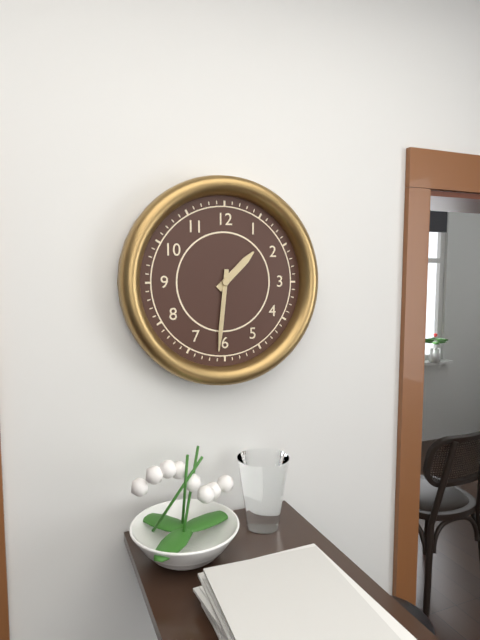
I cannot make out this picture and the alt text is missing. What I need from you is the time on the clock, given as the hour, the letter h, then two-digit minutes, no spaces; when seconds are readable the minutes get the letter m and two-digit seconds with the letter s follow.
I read 1h31
